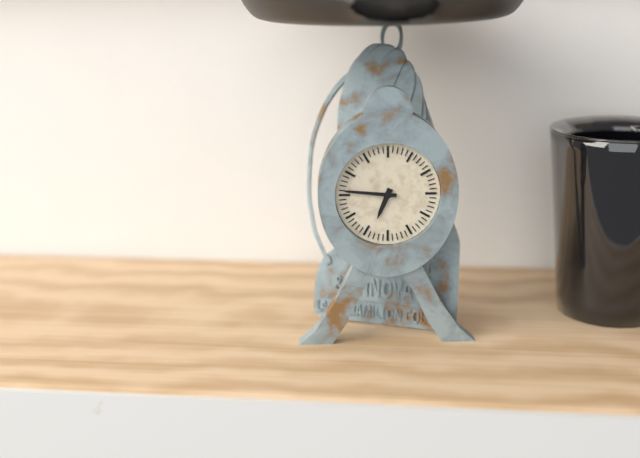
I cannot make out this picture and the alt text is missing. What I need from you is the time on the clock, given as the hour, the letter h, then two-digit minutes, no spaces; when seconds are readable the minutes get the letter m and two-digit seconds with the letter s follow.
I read 6h46
